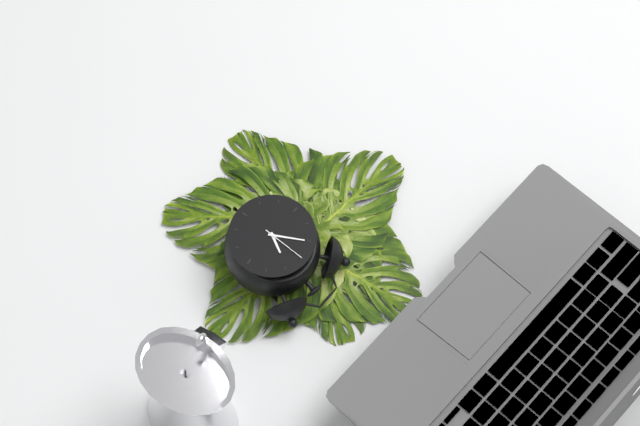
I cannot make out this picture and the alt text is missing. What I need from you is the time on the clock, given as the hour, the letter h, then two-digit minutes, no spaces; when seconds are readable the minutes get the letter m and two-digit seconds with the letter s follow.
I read 12h55
